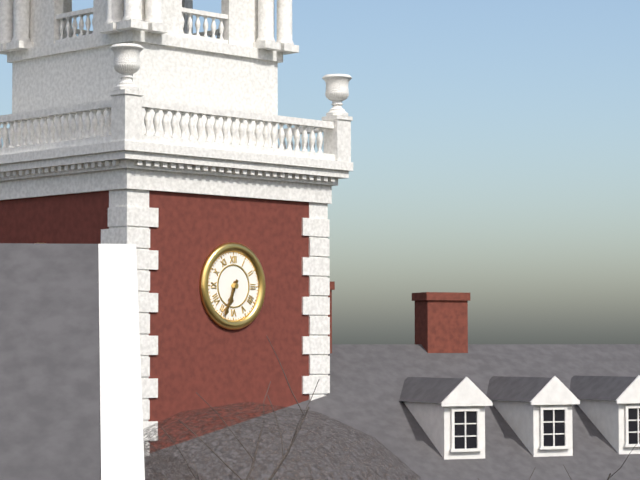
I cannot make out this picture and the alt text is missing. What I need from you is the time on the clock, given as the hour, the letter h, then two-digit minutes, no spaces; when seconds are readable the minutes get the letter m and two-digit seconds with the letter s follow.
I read 6h34
